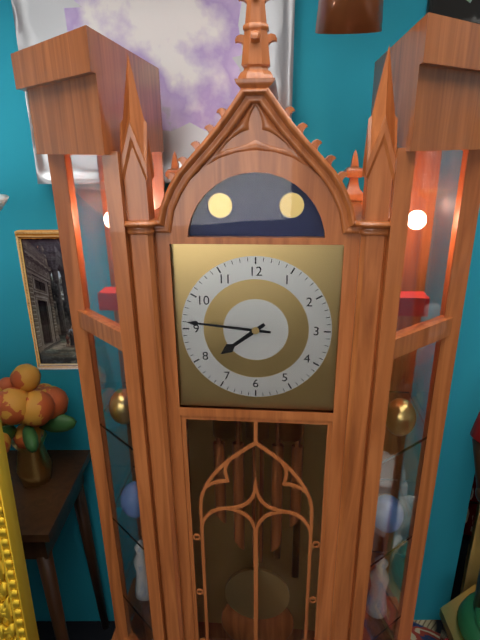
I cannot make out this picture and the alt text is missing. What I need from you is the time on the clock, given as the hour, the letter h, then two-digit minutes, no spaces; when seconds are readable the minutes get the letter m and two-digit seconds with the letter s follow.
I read 7h46
